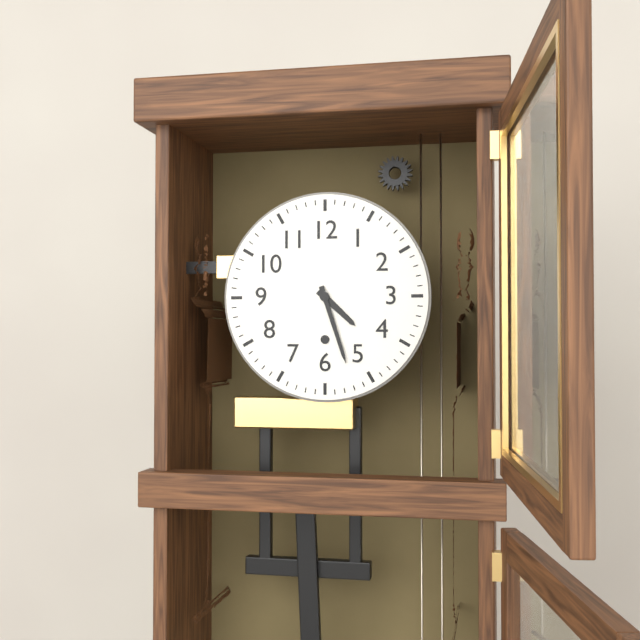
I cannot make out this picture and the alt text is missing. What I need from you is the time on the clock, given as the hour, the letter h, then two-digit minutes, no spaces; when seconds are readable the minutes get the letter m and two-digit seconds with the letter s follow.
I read 4h27
